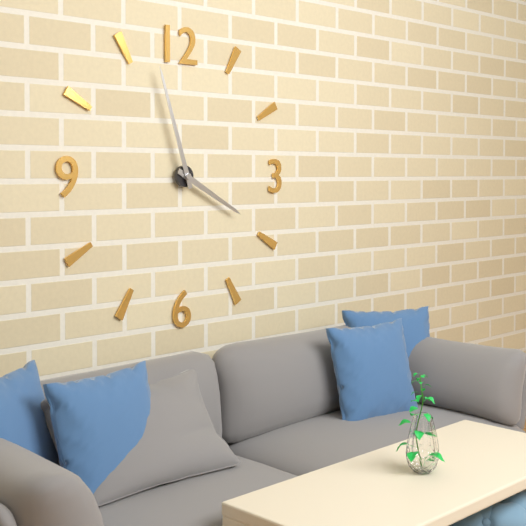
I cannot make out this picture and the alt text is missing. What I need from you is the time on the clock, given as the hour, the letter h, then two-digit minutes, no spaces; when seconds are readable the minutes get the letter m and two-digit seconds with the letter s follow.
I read 3h57
